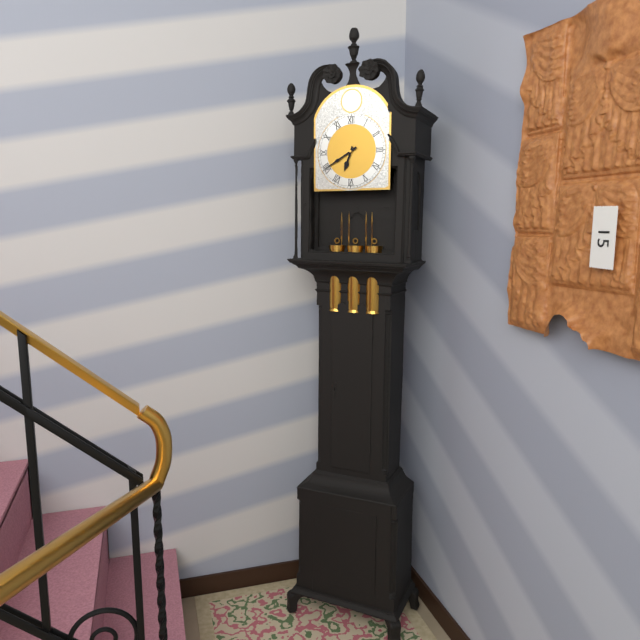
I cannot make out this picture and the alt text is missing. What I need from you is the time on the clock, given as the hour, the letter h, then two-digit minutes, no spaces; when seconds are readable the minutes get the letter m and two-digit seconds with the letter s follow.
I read 6h40
